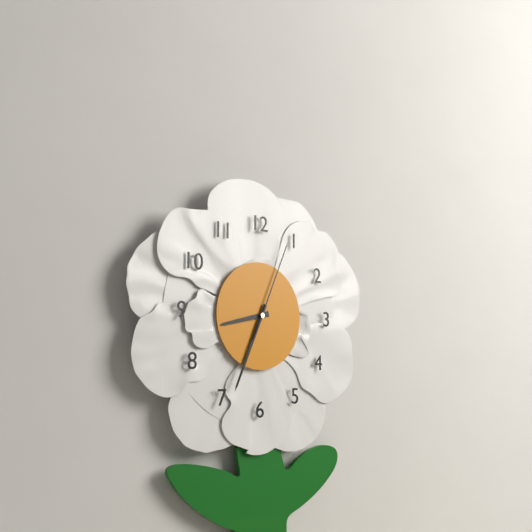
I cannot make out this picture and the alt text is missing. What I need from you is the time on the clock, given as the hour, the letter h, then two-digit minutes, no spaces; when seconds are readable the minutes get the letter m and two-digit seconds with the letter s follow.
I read 8h34m04s
